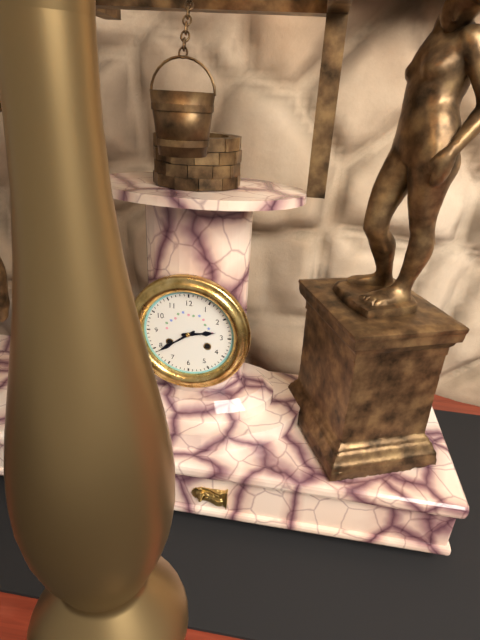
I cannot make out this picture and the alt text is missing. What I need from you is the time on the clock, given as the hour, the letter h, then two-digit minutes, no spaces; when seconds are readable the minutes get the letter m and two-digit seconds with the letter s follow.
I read 2h39
